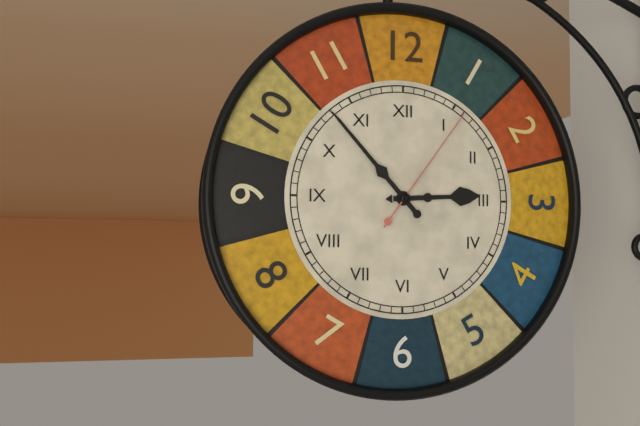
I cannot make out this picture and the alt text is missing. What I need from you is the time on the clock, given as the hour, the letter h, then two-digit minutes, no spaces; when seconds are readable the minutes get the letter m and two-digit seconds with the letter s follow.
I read 2h53m06s
